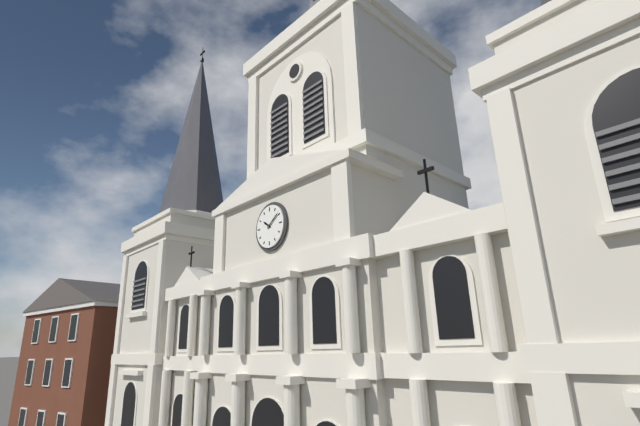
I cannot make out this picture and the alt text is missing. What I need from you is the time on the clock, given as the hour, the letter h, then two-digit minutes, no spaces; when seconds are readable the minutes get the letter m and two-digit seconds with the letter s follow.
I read 10h09
